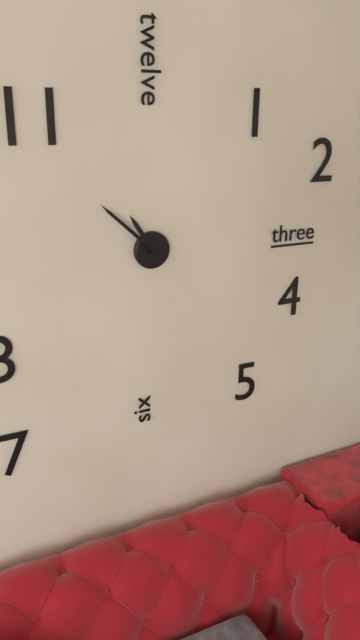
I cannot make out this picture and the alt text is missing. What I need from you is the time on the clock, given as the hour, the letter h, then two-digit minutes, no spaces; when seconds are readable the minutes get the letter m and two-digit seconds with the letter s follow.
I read 10h52
